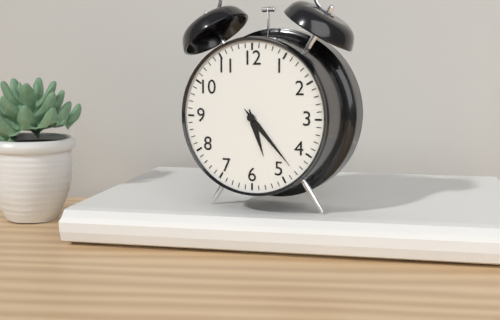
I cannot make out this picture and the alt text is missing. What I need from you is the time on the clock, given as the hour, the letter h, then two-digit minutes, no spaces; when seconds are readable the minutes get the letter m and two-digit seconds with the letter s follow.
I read 5h23
